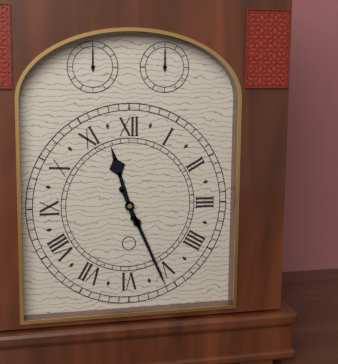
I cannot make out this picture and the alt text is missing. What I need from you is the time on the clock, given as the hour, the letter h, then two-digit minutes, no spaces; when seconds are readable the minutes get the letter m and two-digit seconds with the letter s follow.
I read 11h26
